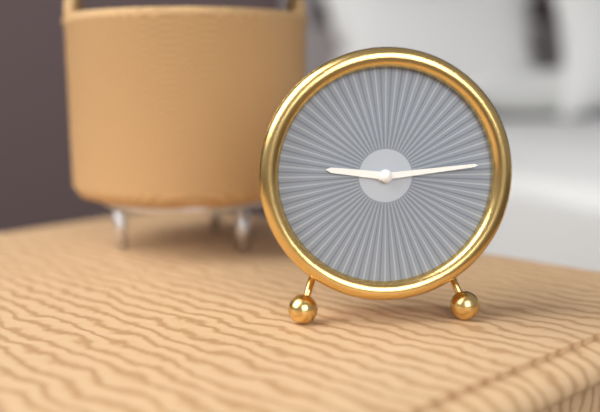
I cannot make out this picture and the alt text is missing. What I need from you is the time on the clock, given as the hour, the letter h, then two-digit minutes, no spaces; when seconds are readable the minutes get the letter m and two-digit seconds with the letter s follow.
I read 9h14
